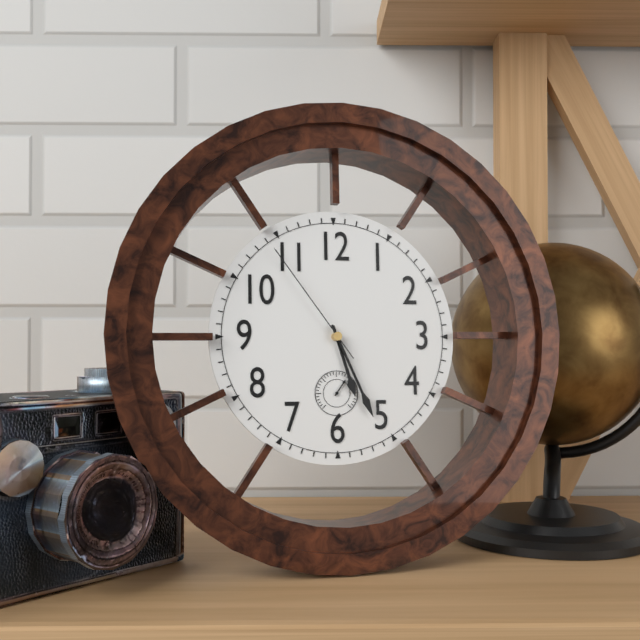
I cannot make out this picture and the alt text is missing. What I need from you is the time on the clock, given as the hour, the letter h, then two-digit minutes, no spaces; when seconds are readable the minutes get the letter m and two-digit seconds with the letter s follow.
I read 5h26m54s
